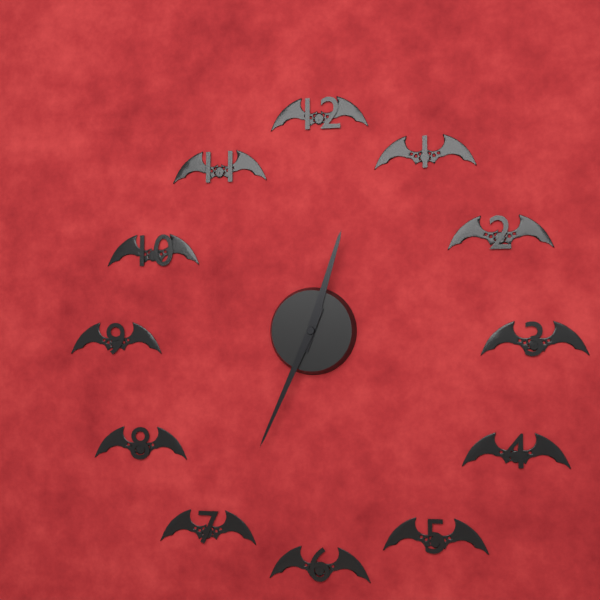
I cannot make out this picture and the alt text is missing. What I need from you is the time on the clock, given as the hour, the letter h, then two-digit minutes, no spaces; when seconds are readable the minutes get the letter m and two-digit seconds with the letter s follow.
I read 12h34
